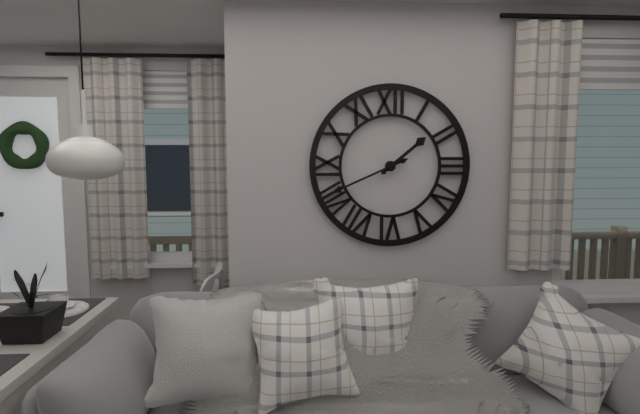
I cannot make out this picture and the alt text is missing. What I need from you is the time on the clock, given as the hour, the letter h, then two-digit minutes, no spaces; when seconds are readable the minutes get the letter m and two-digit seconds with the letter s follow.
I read 1h41
